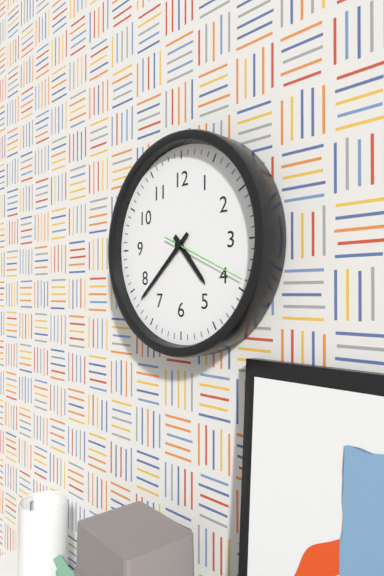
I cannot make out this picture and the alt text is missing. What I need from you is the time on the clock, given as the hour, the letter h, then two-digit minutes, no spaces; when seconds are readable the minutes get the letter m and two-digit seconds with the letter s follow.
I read 4h38m19s
